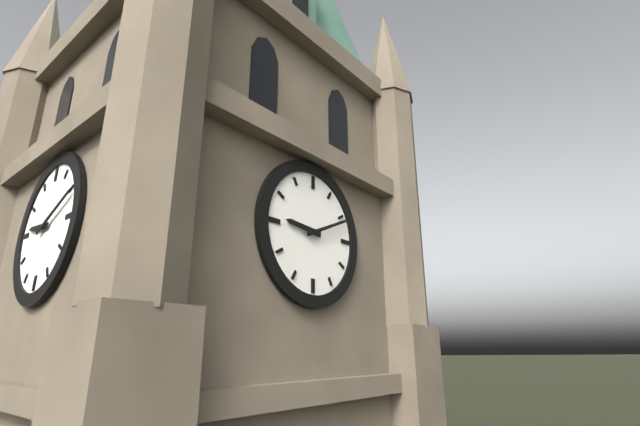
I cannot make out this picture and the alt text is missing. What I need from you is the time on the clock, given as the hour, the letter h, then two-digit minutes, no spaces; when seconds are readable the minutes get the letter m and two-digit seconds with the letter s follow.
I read 9h11
